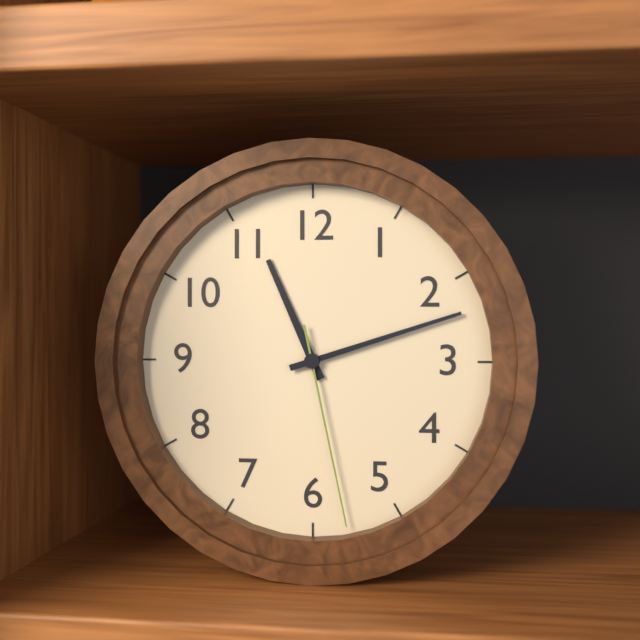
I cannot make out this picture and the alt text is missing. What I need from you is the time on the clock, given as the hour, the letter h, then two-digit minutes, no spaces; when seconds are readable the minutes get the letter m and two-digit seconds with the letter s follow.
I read 11h12m28s
